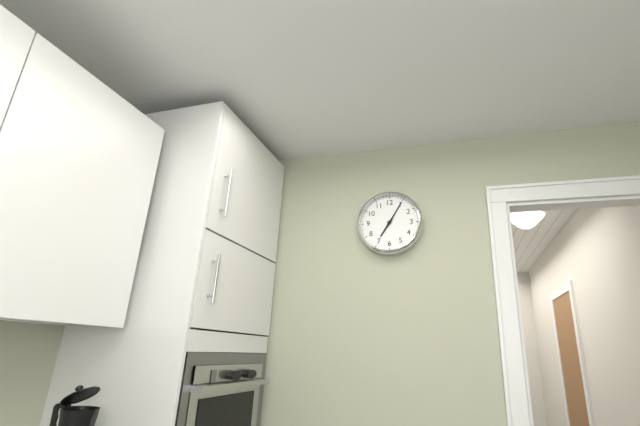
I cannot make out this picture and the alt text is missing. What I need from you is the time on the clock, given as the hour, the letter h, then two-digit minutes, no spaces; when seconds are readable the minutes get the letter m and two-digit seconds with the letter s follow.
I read 7h05
